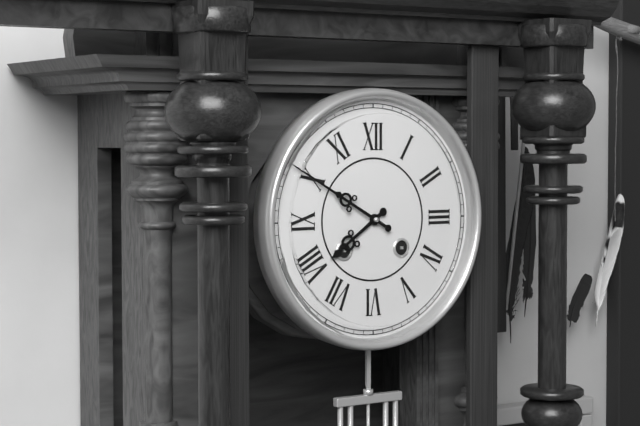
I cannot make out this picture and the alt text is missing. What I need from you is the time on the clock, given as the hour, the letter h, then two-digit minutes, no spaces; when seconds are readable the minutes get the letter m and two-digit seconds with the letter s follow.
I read 7h50
